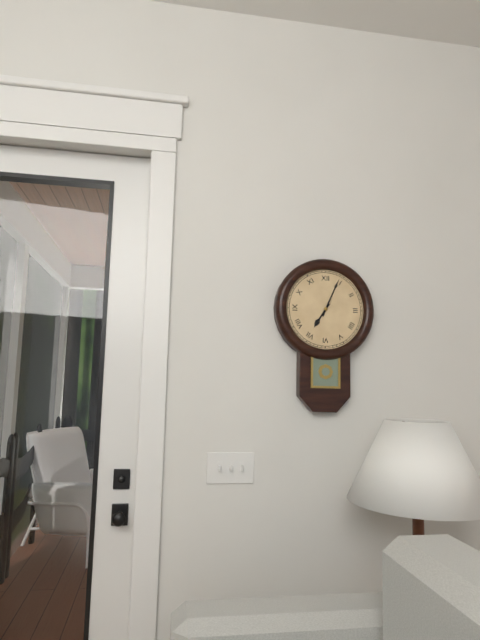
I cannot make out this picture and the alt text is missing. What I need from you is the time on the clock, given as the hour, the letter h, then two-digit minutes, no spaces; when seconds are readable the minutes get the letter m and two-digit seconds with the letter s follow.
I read 7h04
